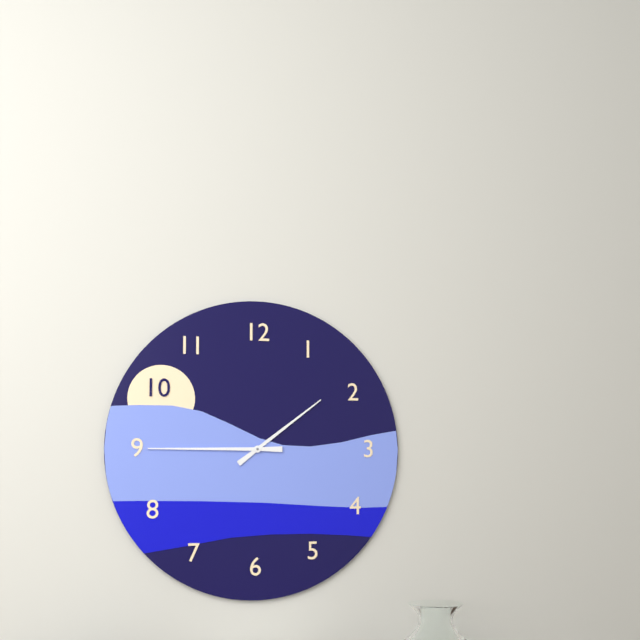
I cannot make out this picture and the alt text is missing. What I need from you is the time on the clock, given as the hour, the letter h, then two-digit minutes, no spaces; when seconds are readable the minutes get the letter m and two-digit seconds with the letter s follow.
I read 1h45
